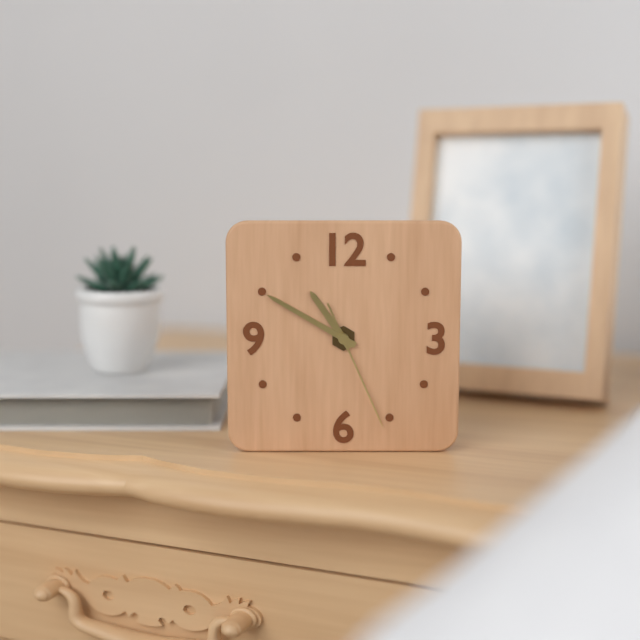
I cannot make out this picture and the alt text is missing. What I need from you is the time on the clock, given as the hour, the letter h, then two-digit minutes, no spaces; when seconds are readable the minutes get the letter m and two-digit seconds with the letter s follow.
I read 10h50m26s
